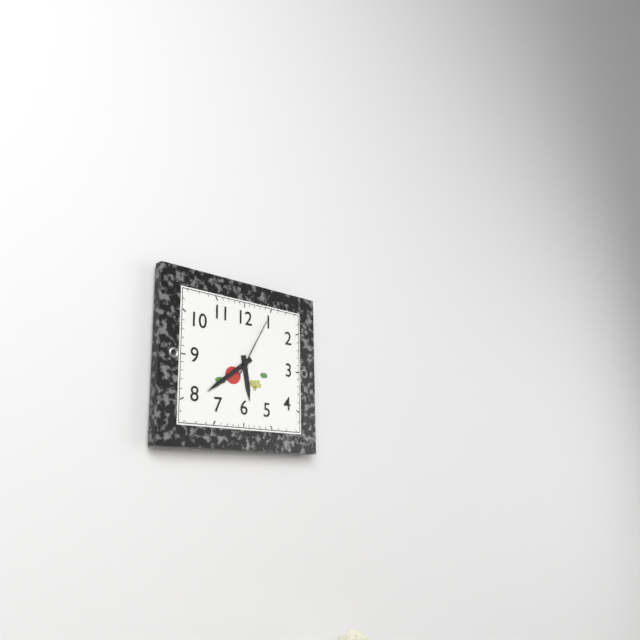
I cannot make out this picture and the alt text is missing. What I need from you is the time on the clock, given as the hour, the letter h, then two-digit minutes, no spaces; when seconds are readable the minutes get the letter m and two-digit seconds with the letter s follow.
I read 5h39m05s
